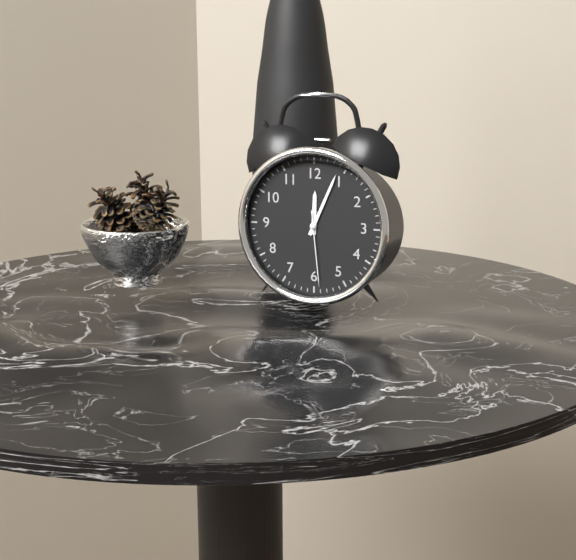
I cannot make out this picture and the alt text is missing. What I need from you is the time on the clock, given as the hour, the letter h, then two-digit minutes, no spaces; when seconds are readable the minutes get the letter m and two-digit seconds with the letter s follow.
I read 12h04m29s
